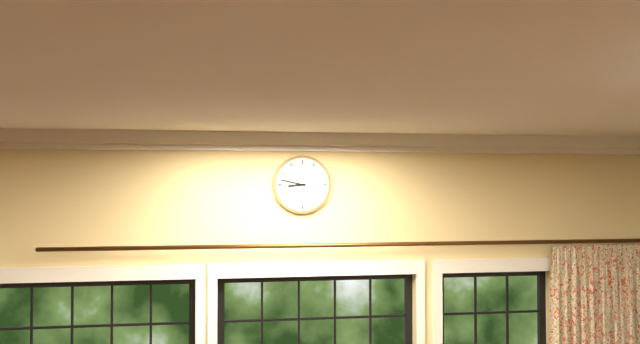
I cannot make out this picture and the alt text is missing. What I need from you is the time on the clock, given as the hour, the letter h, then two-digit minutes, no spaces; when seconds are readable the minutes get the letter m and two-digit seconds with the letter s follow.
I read 8h47
